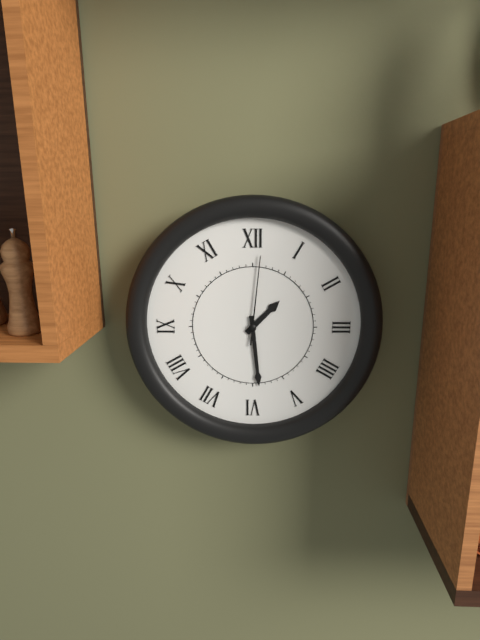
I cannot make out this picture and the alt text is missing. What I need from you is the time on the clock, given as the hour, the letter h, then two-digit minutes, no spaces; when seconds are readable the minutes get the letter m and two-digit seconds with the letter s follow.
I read 1h29m01s
